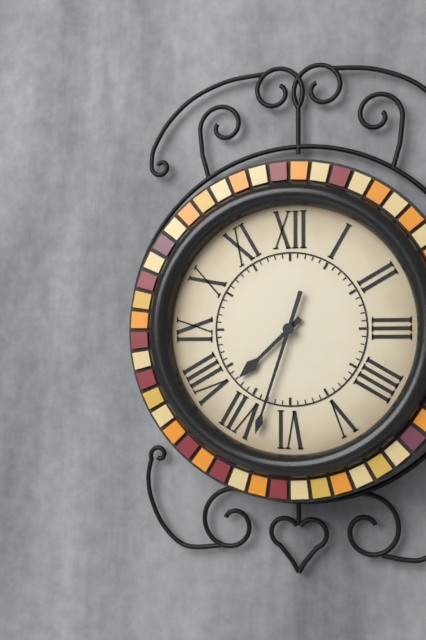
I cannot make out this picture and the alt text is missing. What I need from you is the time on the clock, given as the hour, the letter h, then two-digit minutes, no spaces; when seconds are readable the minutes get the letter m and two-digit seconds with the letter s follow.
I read 7h33
